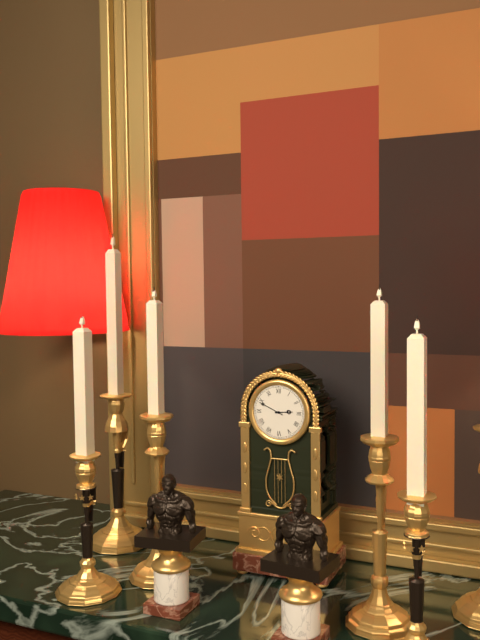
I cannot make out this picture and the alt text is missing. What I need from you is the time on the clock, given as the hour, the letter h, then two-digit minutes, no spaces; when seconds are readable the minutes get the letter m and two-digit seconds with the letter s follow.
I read 2h49
